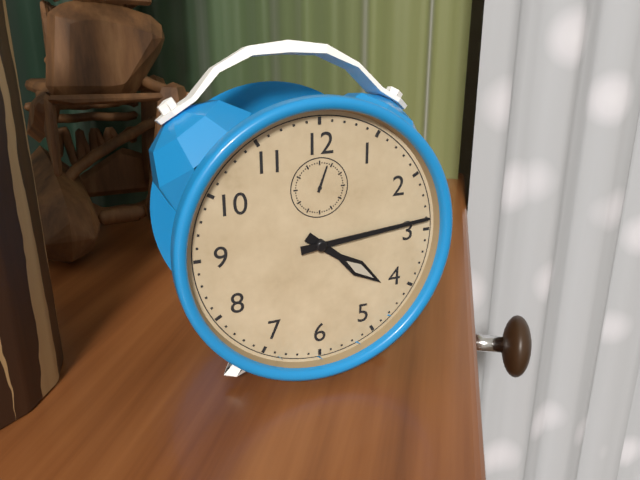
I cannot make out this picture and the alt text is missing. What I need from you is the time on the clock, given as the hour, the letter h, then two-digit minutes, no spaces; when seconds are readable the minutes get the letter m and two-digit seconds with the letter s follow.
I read 4h14
